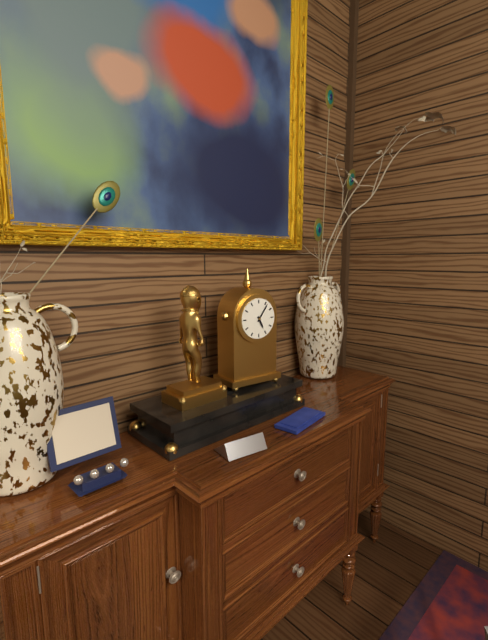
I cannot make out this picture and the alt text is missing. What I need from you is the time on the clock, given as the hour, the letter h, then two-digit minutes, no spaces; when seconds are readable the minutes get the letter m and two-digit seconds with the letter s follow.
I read 5h06
